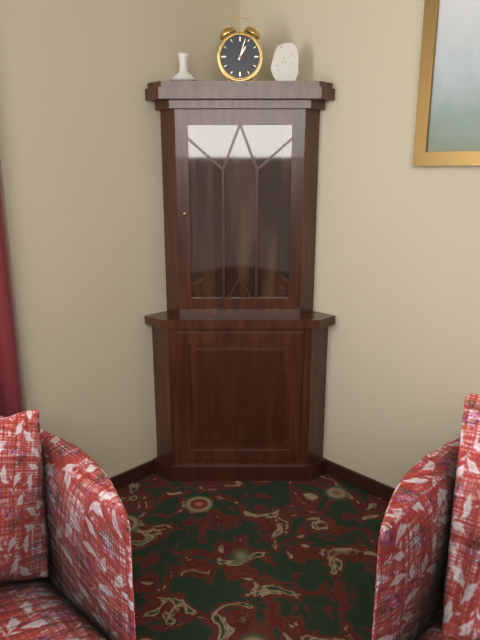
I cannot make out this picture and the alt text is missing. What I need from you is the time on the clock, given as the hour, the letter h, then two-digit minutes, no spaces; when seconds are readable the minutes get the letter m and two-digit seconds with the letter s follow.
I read 1h03
